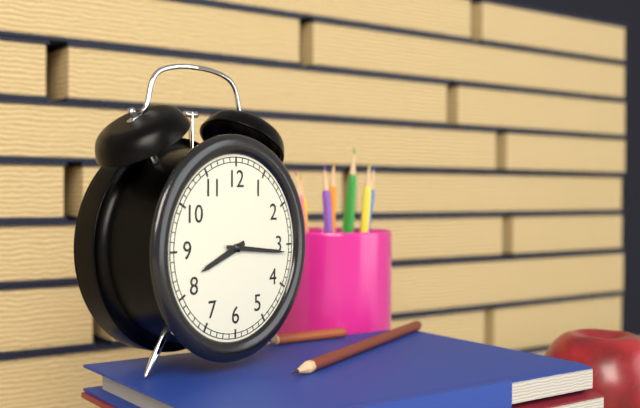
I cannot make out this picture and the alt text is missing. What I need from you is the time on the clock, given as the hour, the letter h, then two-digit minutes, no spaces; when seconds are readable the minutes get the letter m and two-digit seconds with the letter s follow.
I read 8h16
